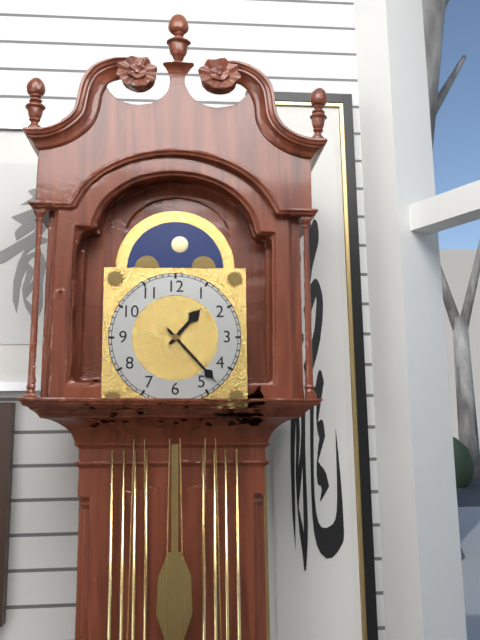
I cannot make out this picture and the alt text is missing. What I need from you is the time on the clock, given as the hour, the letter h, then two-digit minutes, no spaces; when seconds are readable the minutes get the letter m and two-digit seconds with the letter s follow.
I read 1h23
